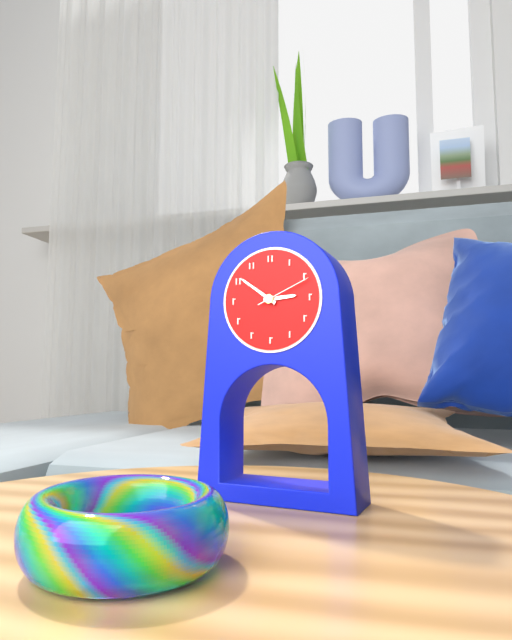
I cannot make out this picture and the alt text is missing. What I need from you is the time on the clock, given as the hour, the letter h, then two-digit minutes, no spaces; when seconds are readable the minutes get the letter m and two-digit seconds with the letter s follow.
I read 2h51m11s
